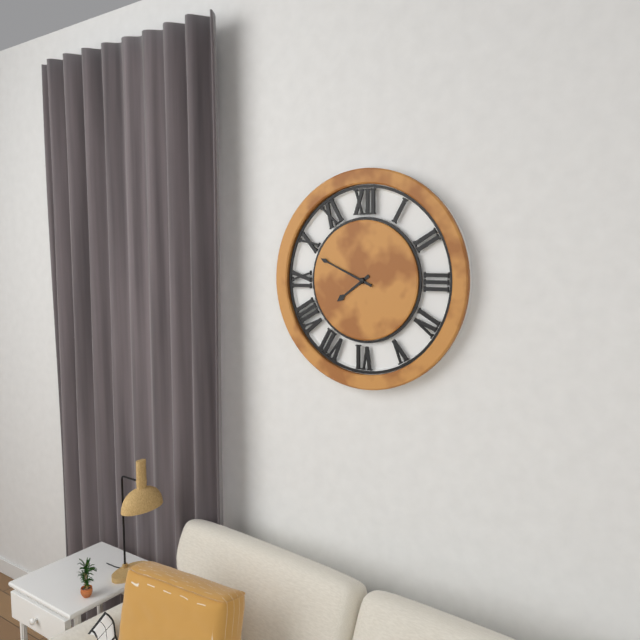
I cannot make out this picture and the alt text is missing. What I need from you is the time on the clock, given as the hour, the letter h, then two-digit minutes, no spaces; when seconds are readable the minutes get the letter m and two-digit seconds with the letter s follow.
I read 7h49
